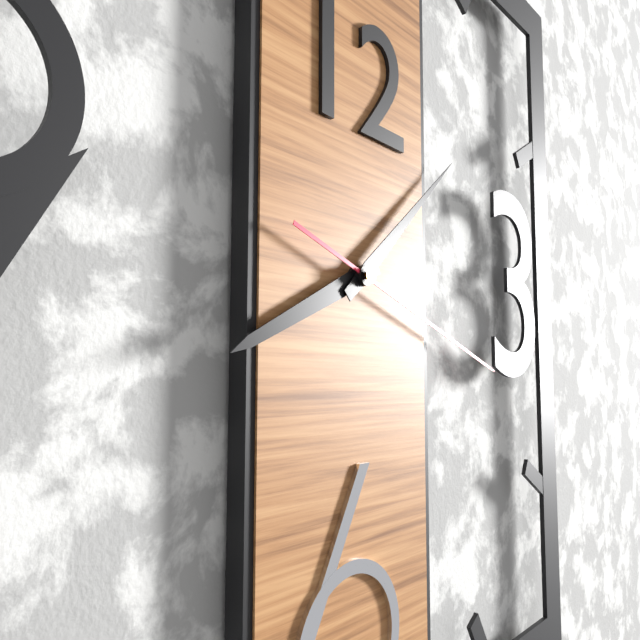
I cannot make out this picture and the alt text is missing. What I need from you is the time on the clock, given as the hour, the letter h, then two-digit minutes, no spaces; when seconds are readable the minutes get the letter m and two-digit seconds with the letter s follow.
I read 8h08m18s
